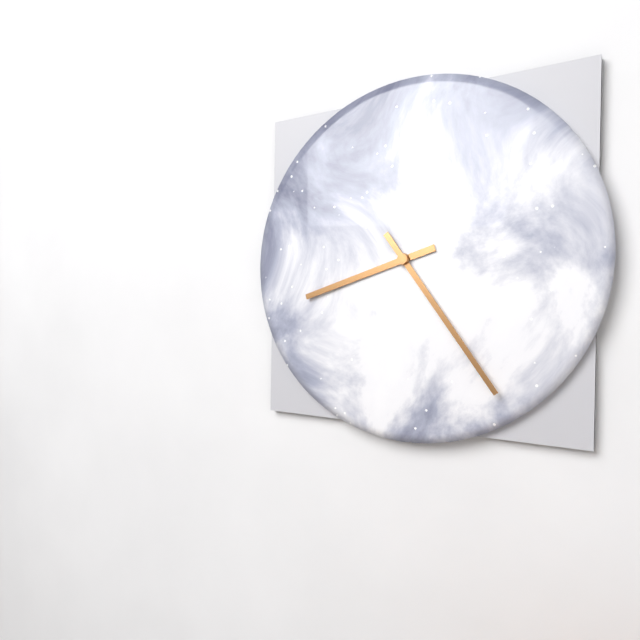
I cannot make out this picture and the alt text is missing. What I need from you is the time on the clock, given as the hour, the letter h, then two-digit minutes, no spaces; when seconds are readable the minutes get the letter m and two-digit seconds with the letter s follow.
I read 8h24
